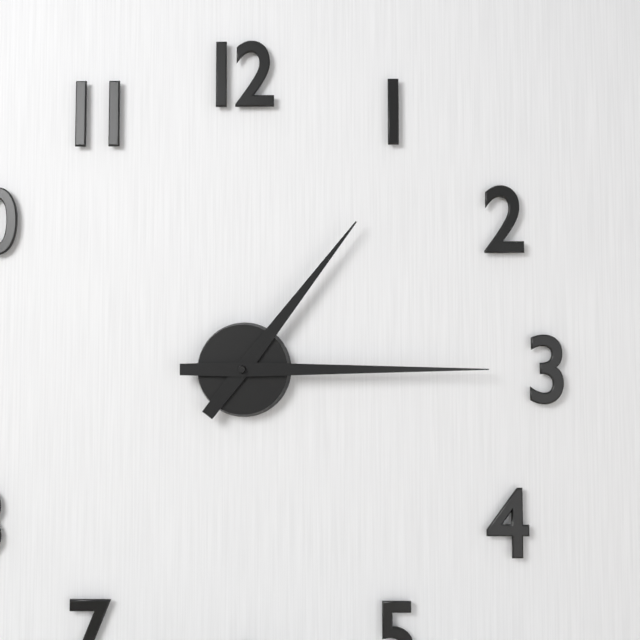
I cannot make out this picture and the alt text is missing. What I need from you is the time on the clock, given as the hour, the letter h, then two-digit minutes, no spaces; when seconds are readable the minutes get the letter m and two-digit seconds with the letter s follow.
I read 1h15
